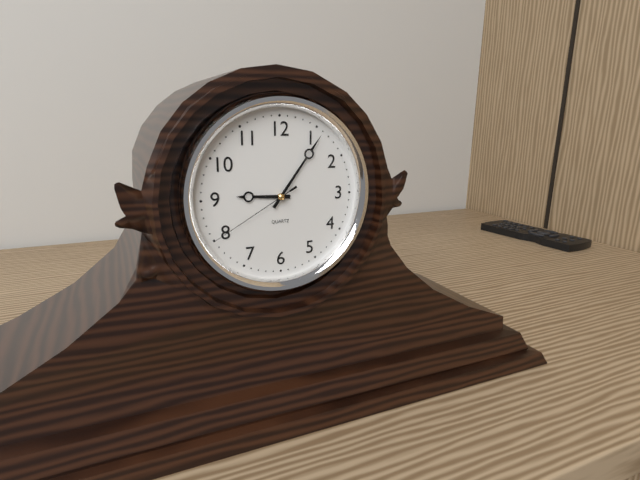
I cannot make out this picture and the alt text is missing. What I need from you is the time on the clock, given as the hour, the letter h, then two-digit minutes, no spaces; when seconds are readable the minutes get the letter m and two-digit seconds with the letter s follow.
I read 9h06m40s
